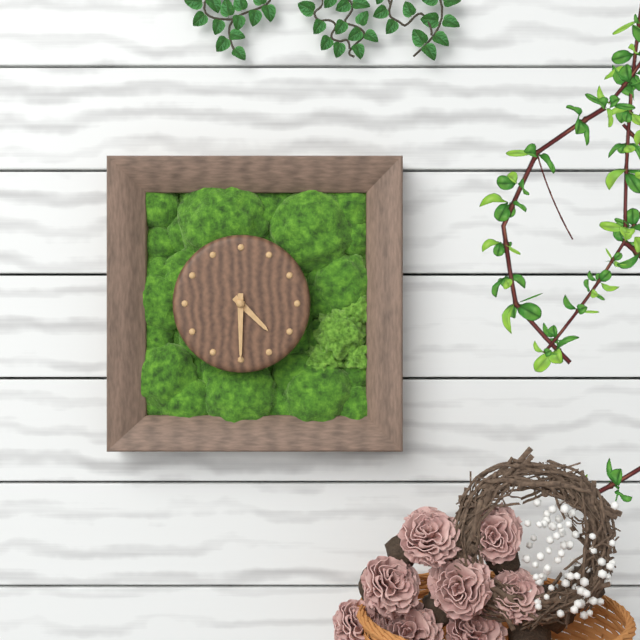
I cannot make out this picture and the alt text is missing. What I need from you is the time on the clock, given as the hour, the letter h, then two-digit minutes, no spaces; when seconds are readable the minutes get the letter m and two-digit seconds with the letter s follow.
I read 4h30
